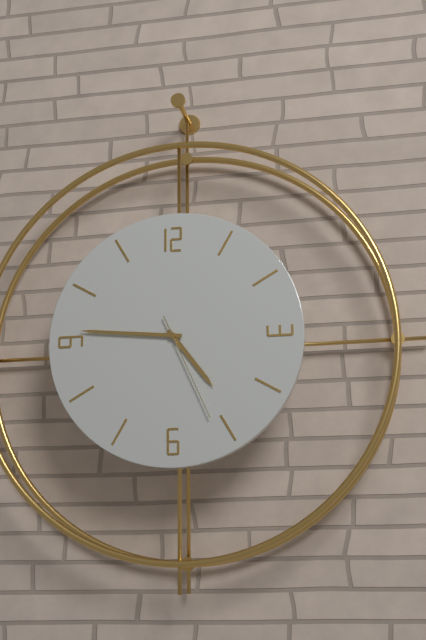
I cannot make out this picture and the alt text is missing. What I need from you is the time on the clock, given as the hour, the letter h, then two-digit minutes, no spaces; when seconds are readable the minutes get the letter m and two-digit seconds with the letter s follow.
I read 4h46m26s
